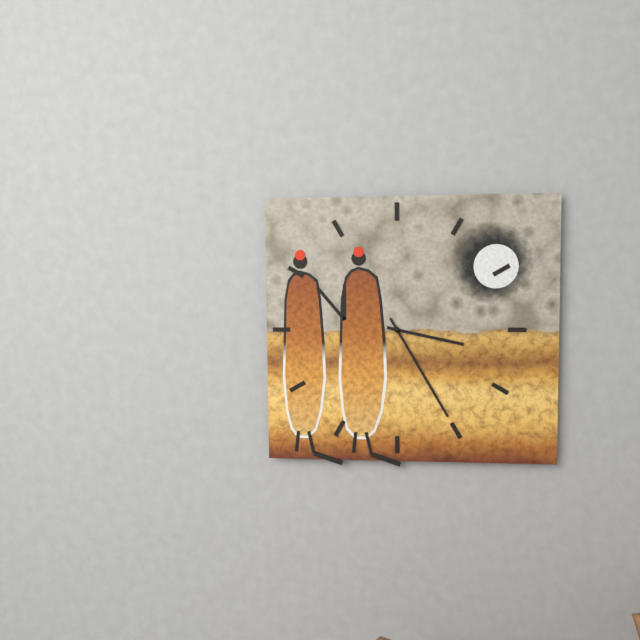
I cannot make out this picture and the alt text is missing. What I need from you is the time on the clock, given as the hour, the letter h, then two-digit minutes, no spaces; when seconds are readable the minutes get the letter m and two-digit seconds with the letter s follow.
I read 3h25
